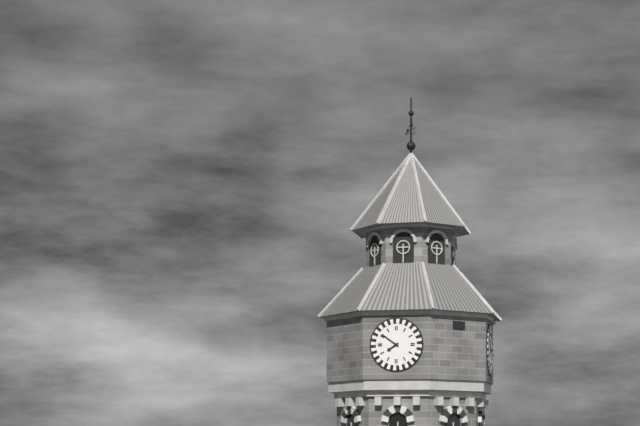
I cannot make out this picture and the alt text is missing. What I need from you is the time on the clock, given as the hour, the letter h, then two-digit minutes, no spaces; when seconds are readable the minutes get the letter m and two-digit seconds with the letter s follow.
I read 7h51
